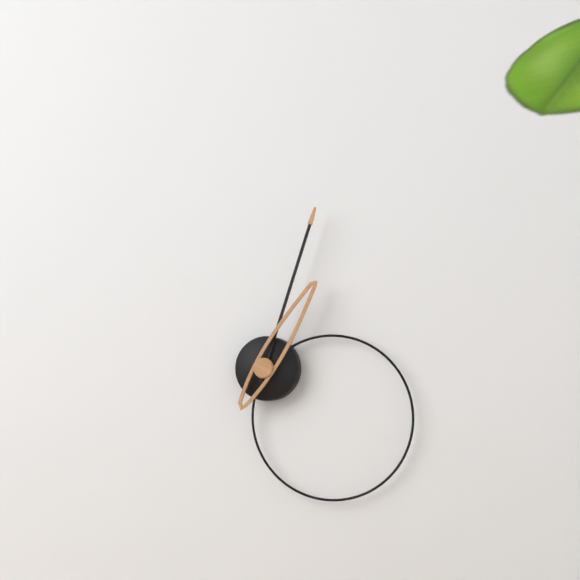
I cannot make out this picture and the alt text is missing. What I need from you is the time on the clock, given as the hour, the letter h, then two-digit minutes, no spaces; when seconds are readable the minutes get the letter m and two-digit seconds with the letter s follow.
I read 1h03
